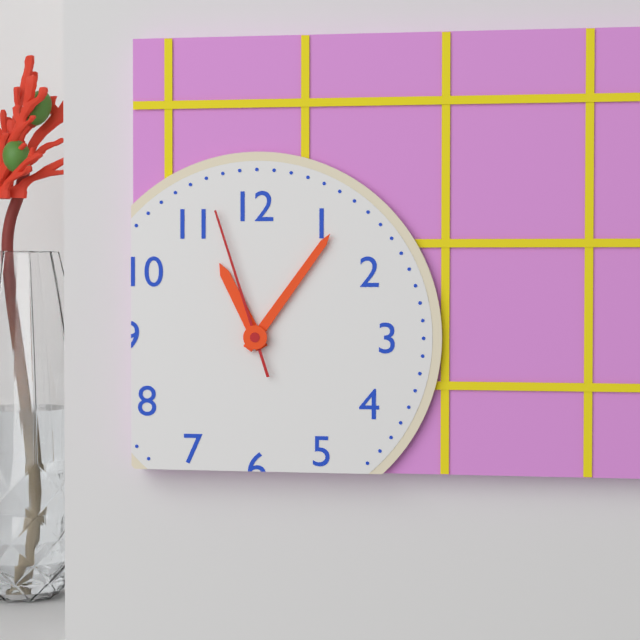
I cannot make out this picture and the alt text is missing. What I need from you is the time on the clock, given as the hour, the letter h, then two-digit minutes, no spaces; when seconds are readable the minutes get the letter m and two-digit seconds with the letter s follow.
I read 11h06m57s
